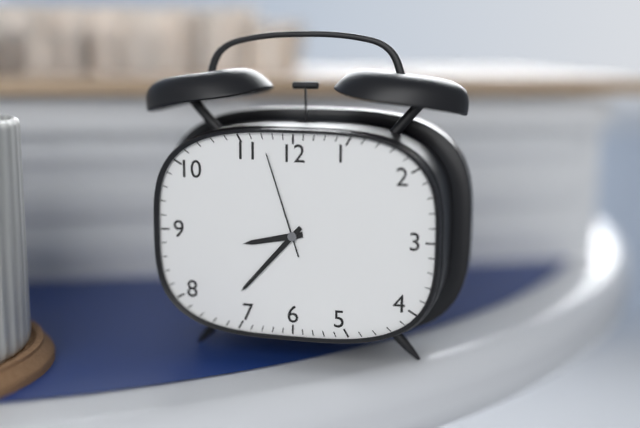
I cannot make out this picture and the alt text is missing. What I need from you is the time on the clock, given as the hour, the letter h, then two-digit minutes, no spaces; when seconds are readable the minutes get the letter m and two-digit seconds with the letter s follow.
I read 8h37m57s
